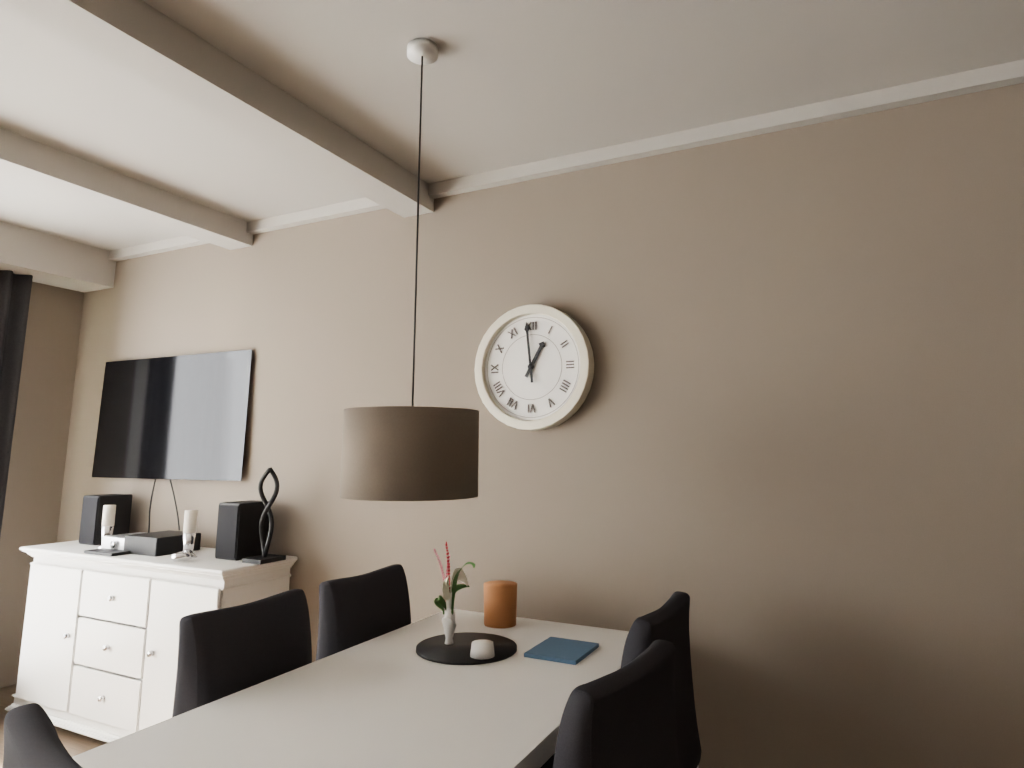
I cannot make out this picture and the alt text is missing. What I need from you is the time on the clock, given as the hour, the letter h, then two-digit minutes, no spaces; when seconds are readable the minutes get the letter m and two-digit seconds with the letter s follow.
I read 12h59
